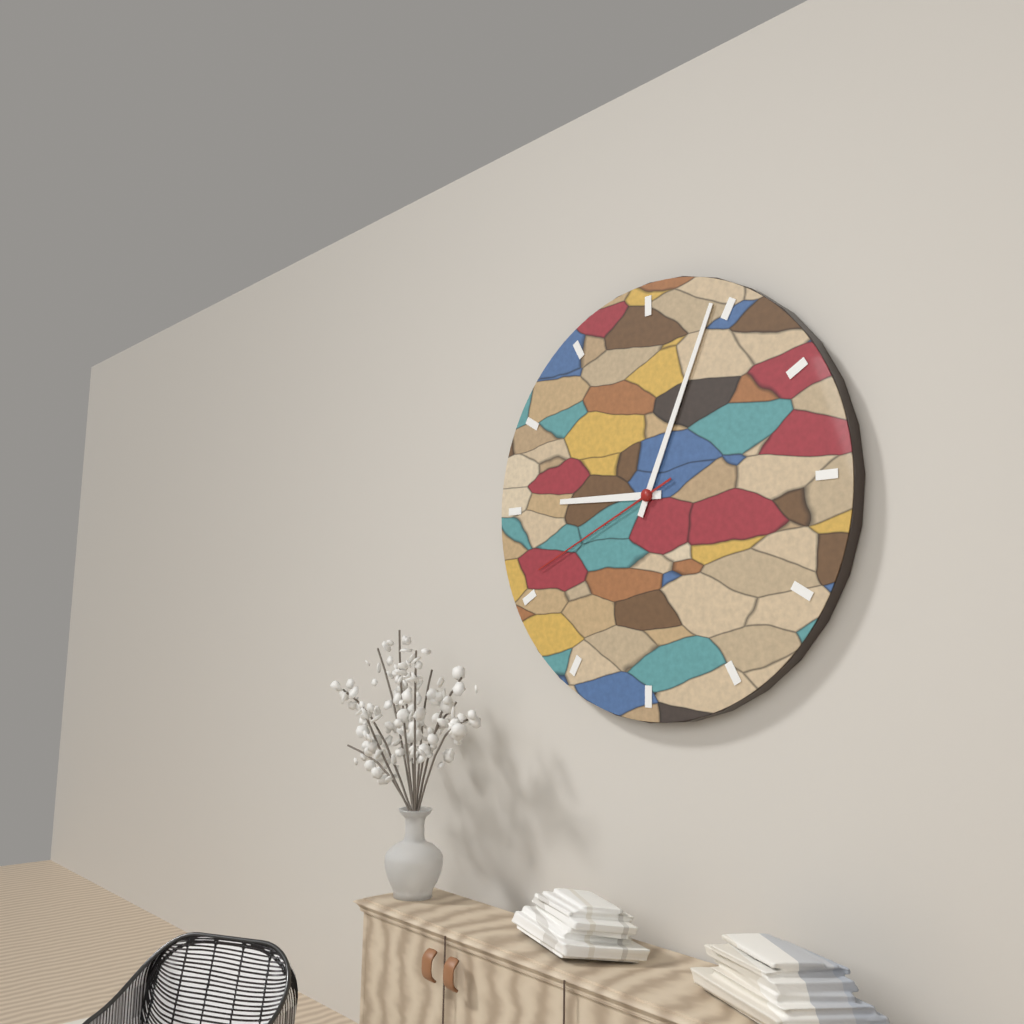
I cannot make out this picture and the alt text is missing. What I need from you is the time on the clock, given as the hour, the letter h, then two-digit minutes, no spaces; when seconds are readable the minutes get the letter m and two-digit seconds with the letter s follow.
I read 9h04m41s
